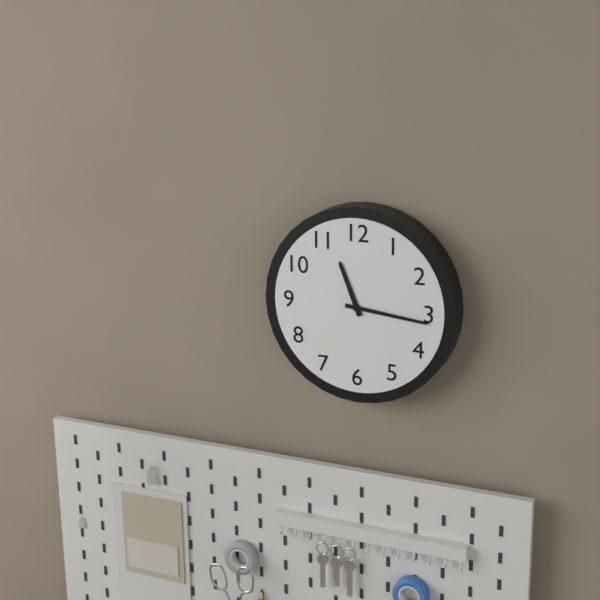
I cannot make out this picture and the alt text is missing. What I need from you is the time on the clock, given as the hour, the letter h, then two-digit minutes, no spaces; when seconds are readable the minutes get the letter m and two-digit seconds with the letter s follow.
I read 11h16
